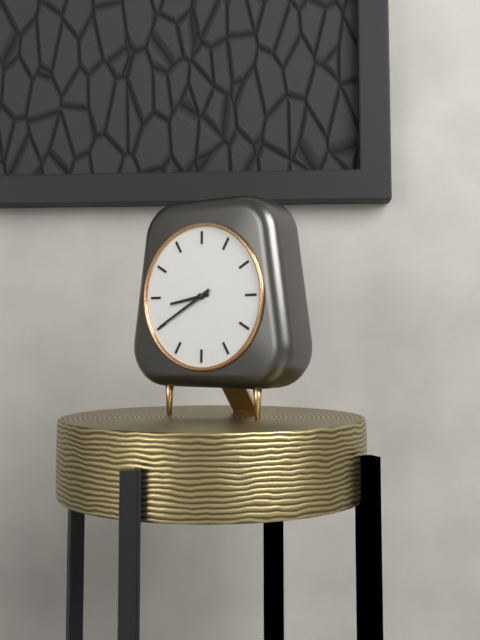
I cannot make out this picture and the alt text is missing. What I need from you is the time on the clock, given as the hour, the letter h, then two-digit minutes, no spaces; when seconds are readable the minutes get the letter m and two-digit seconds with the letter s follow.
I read 8h40
